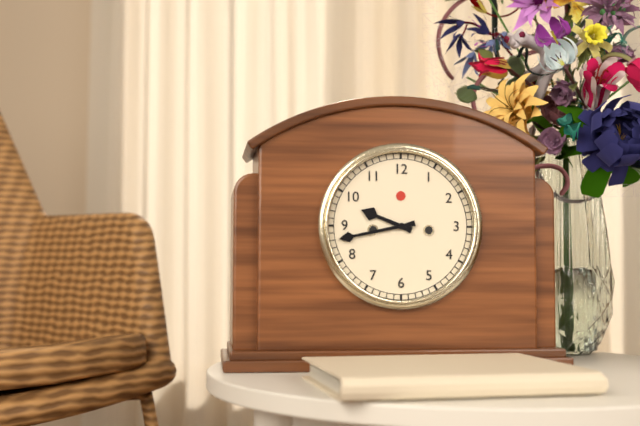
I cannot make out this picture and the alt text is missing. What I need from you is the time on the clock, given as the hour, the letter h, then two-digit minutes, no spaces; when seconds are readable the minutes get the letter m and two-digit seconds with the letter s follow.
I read 9h43
